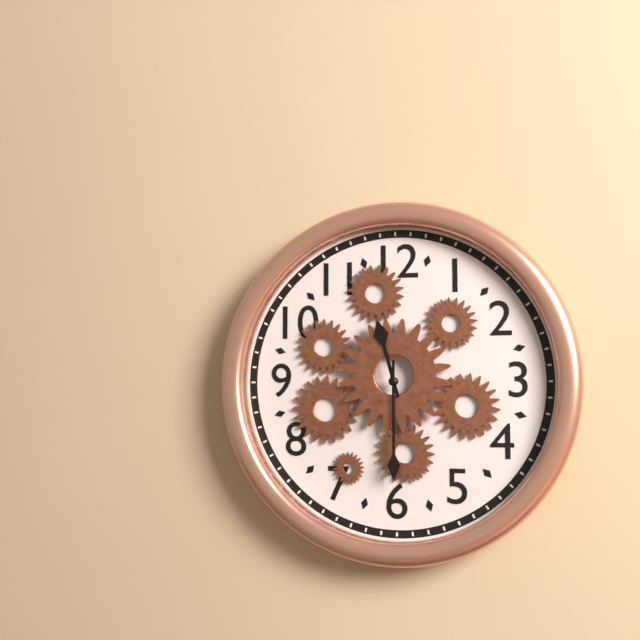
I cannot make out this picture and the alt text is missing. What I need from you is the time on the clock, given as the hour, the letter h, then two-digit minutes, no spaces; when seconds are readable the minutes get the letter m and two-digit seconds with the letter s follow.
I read 11h30
